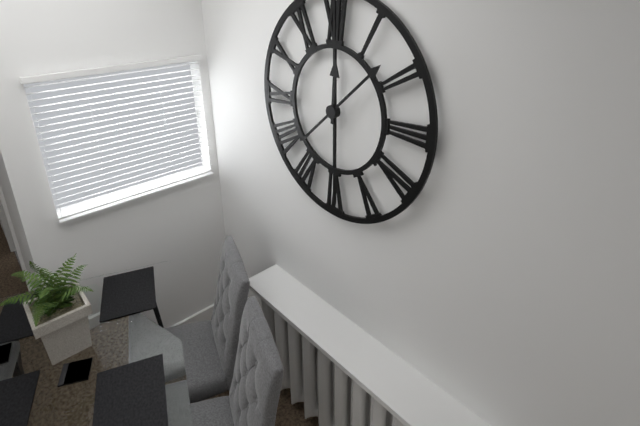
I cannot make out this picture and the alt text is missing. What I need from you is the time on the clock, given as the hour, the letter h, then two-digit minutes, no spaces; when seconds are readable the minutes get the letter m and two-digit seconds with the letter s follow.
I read 12h08
